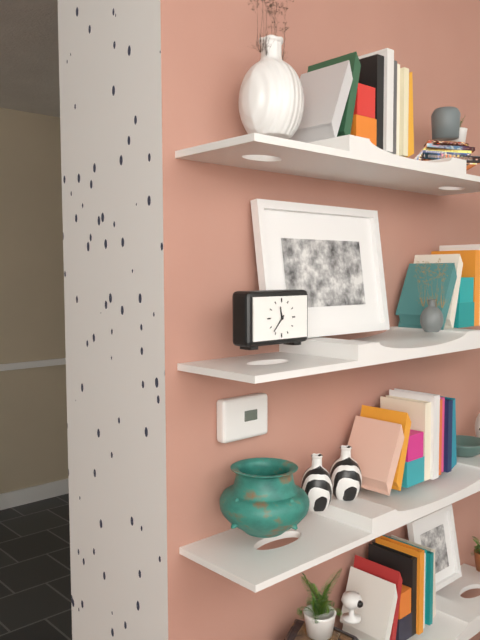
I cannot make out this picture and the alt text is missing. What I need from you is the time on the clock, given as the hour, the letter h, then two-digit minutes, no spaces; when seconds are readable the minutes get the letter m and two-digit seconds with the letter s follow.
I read 11h37
